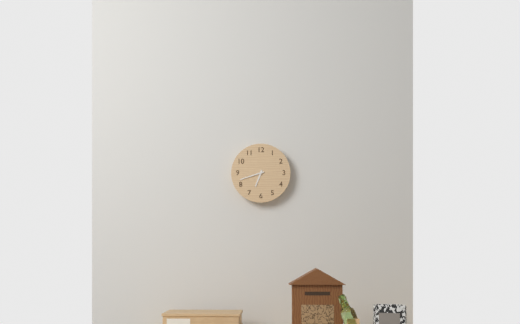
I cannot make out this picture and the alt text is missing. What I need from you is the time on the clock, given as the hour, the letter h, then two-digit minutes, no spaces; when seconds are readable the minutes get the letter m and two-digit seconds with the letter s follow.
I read 6h42
